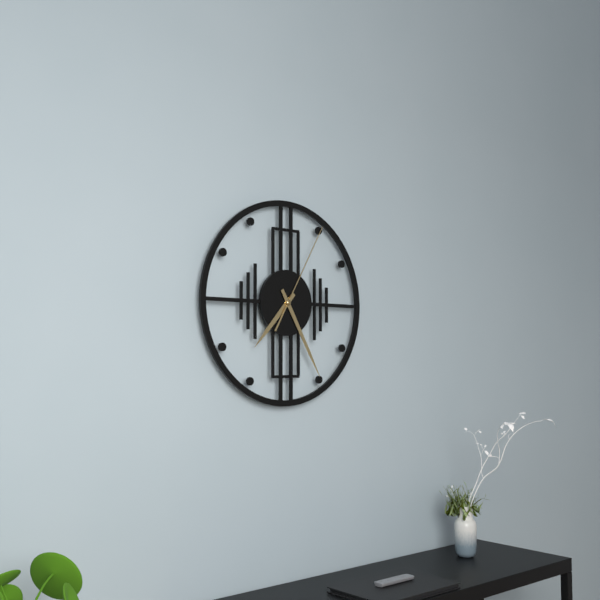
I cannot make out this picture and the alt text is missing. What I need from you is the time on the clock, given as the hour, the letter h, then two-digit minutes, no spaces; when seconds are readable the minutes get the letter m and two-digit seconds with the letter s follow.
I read 7h25m05s
